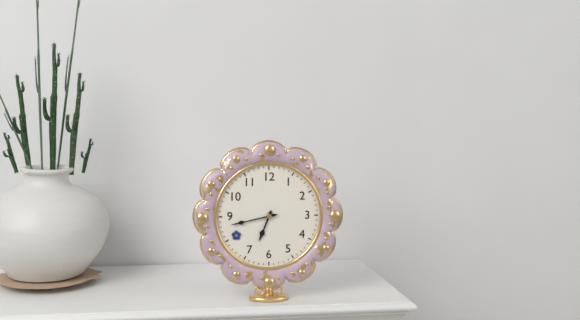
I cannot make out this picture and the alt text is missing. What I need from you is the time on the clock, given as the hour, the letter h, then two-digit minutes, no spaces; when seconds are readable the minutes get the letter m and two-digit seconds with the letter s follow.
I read 6h43
